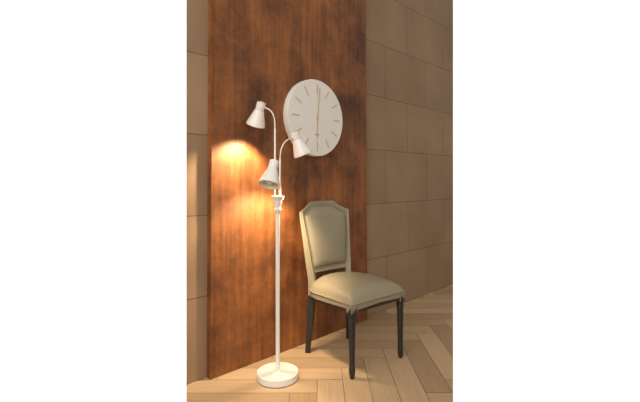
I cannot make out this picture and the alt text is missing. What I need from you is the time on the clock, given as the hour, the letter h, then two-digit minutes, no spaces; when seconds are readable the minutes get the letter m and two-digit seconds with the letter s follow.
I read 6h01
